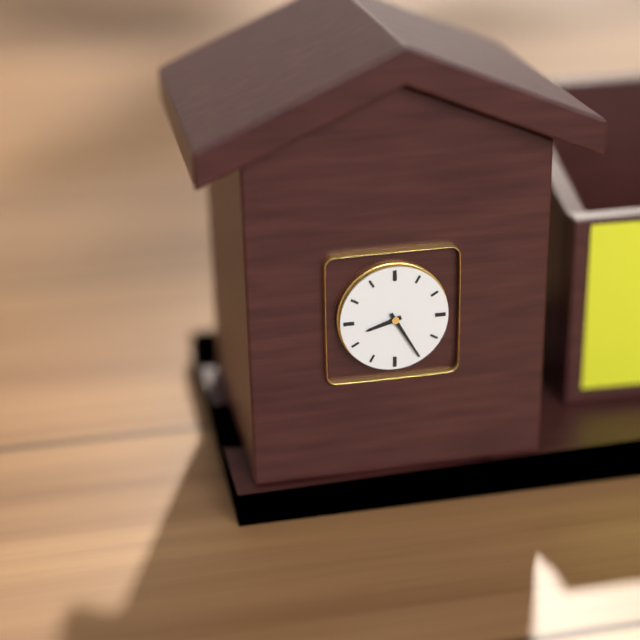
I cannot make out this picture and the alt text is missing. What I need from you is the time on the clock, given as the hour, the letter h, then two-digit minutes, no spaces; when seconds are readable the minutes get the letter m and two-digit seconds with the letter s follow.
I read 8h25
